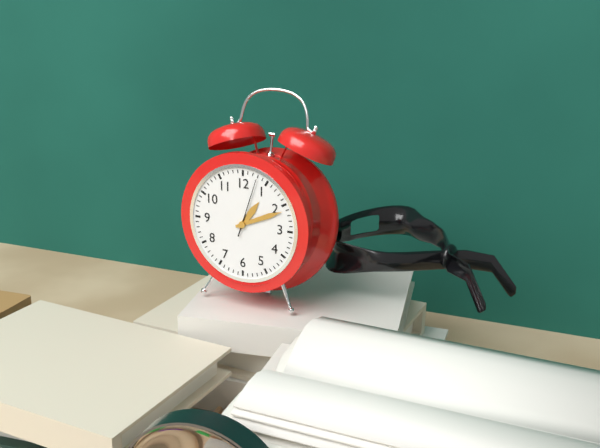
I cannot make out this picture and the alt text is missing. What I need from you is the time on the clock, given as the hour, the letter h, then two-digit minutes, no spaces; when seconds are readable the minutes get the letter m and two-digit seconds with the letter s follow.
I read 1h11m03s
